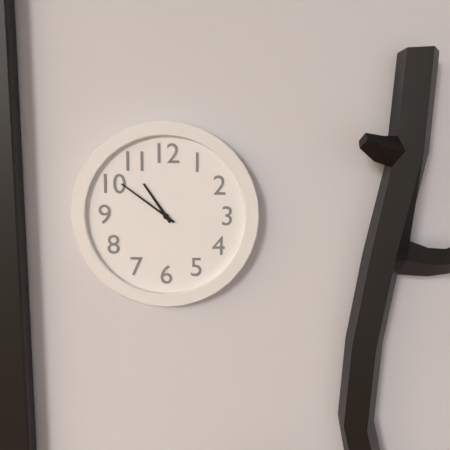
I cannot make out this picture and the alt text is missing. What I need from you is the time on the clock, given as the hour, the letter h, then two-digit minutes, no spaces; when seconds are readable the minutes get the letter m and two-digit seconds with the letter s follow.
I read 10h51
